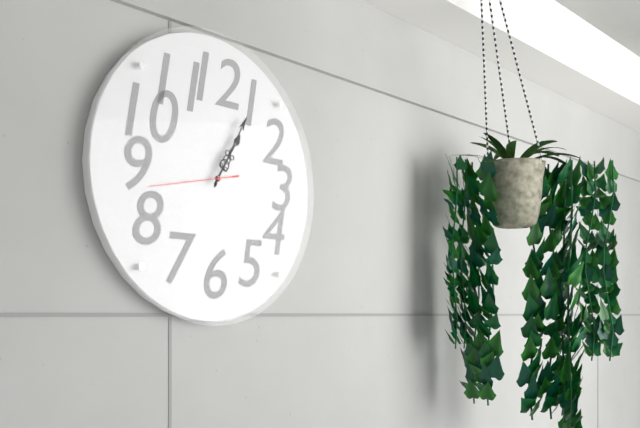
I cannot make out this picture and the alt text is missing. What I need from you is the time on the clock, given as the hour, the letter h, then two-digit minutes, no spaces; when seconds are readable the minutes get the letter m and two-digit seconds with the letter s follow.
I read 1h05m43s
